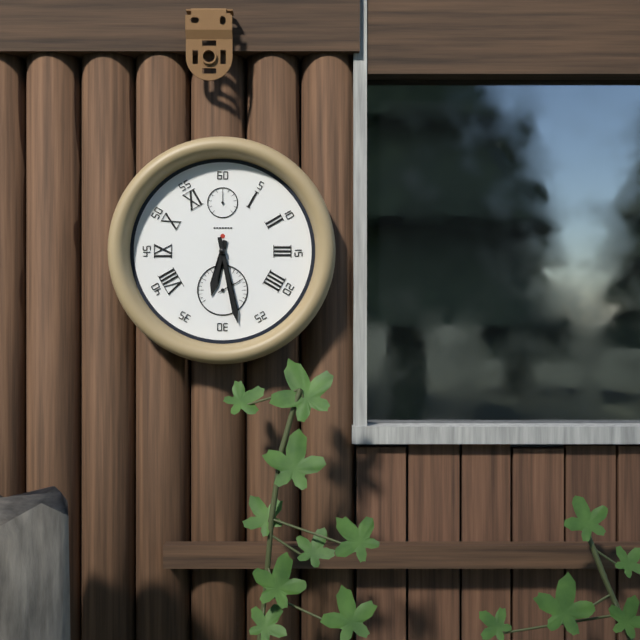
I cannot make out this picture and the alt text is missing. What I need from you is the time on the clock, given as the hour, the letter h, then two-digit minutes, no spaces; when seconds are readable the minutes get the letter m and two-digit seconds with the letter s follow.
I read 6h28
